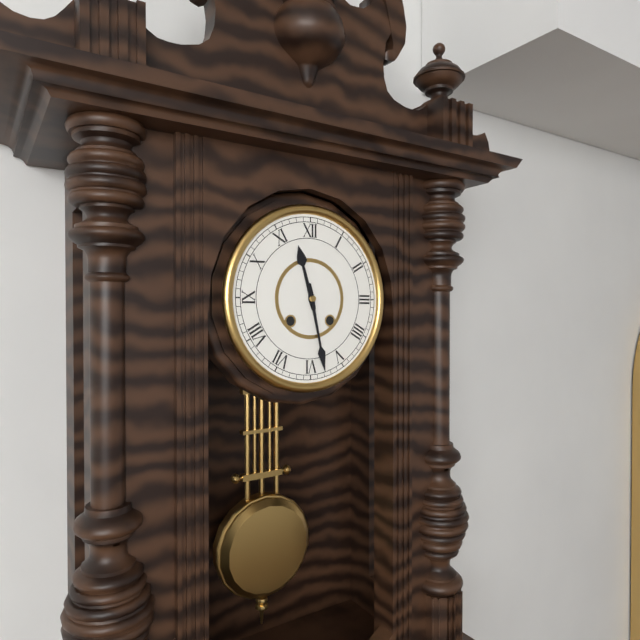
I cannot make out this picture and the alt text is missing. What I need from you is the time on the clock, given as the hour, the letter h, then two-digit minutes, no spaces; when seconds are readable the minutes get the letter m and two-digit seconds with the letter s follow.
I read 11h28
